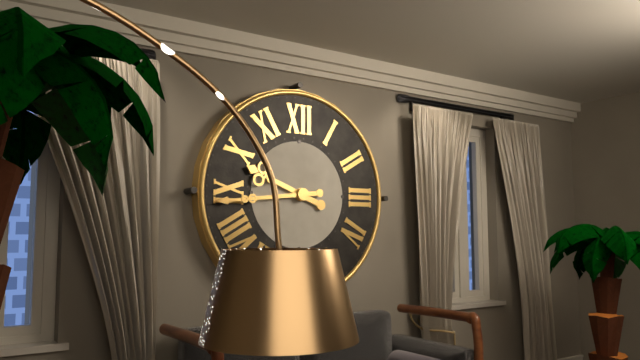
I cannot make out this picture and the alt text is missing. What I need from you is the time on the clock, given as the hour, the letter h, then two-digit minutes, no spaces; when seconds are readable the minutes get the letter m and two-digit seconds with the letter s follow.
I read 9h44
